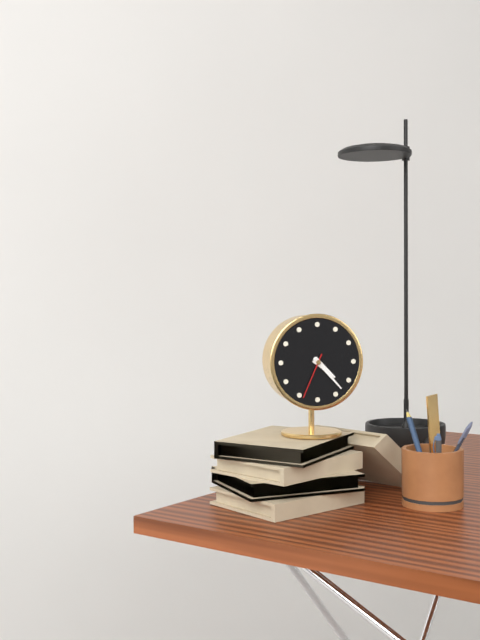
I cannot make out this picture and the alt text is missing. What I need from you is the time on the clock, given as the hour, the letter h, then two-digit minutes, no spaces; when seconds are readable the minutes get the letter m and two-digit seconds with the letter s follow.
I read 4h23
